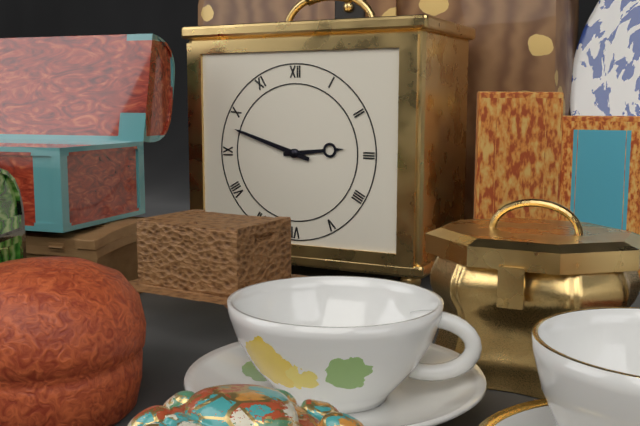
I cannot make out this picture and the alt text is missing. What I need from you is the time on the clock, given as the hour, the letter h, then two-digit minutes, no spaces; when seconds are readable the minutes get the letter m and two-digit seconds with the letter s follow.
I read 2h48
